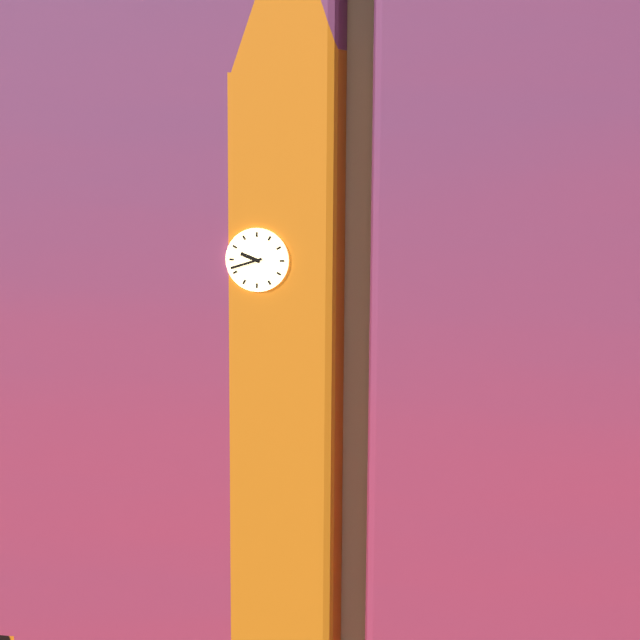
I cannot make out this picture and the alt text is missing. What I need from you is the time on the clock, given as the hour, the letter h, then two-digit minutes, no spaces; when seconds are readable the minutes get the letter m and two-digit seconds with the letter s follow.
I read 9h42
